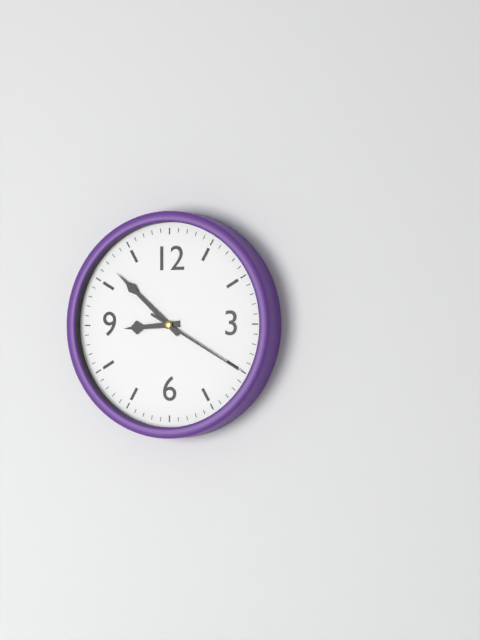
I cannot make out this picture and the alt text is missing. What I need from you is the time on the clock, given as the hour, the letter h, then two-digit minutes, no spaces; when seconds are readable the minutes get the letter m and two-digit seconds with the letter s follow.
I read 8h52m20s
